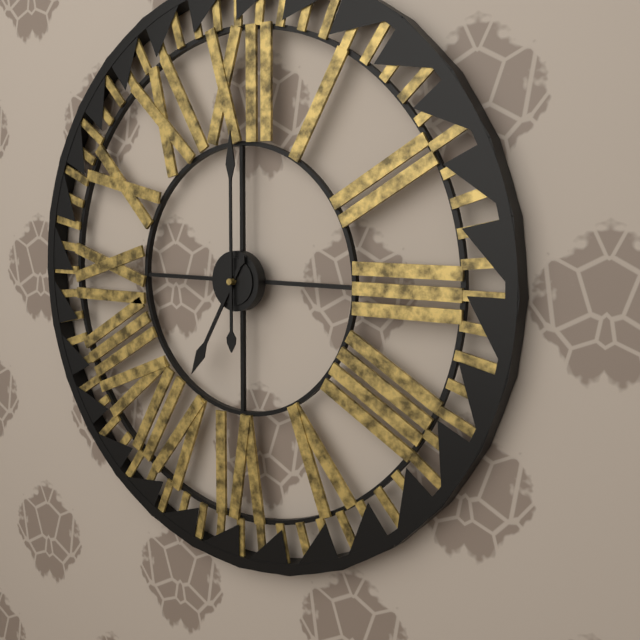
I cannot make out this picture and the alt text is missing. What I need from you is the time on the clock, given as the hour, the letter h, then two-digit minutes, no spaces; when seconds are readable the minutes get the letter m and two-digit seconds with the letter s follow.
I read 7h00
